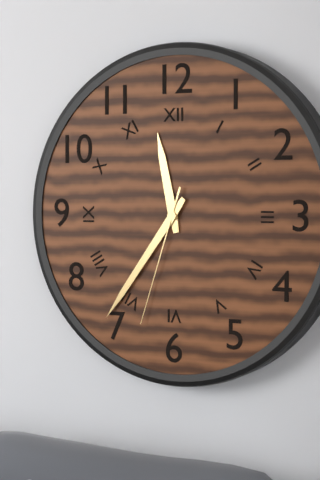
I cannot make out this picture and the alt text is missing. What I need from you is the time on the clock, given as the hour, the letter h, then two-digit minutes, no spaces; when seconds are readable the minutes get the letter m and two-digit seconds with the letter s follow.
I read 11h36m33s
